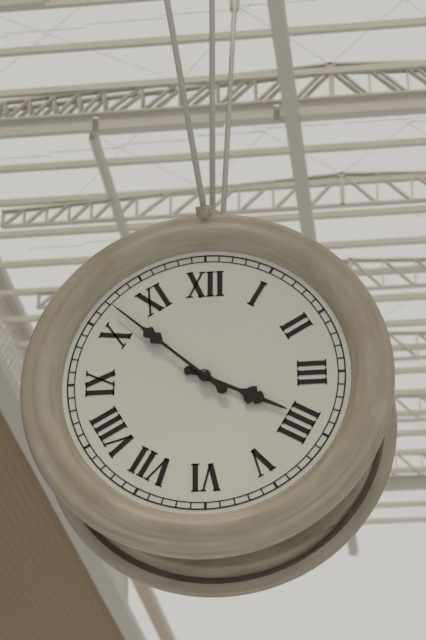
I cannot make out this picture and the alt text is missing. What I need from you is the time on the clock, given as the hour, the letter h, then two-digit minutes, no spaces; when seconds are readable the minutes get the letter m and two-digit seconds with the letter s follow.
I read 3h52
